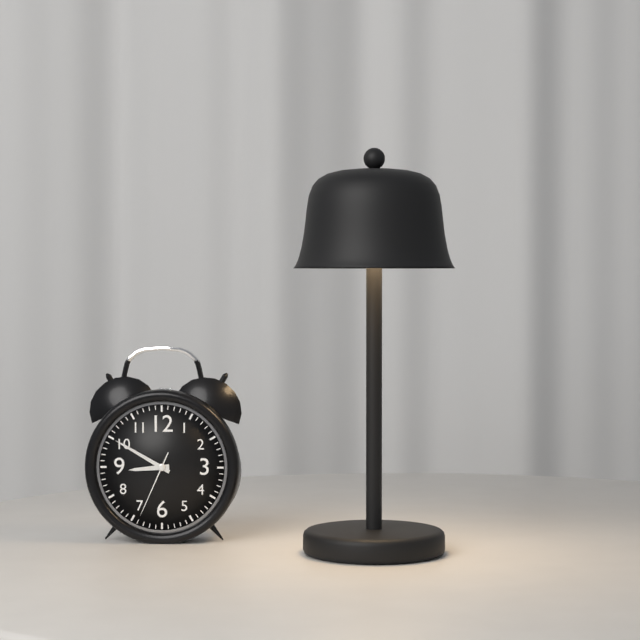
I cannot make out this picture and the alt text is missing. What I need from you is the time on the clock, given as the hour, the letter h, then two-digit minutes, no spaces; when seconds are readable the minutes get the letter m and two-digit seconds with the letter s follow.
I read 8h50m34s
